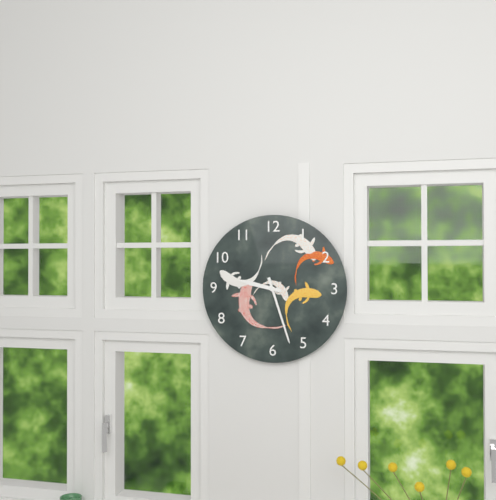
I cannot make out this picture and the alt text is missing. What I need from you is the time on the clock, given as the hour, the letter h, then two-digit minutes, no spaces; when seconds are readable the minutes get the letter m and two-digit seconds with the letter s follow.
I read 9h27
